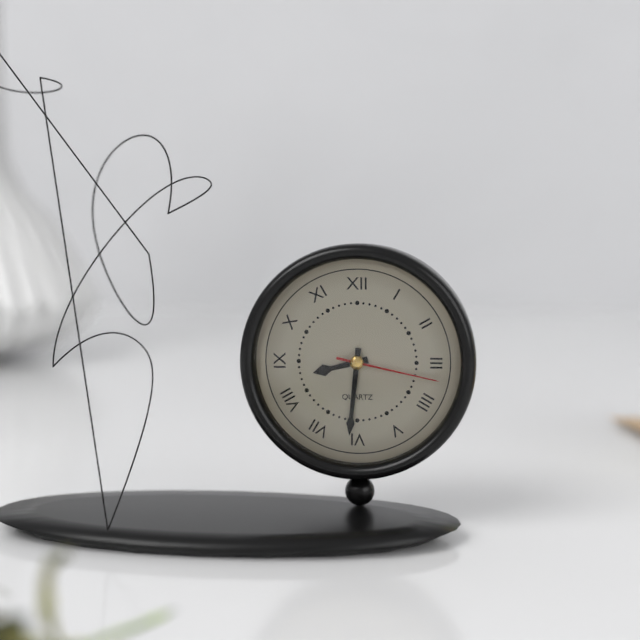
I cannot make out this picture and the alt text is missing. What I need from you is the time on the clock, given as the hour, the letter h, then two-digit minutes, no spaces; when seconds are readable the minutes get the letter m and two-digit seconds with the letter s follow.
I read 8h31m17s
